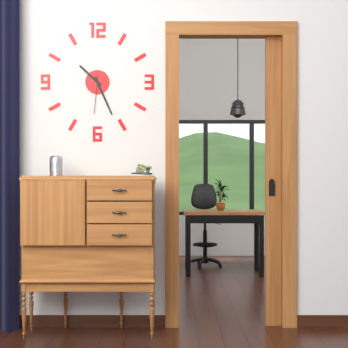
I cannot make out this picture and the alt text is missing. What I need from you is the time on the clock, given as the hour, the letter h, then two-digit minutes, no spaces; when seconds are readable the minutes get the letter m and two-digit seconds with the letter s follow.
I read 10h26
